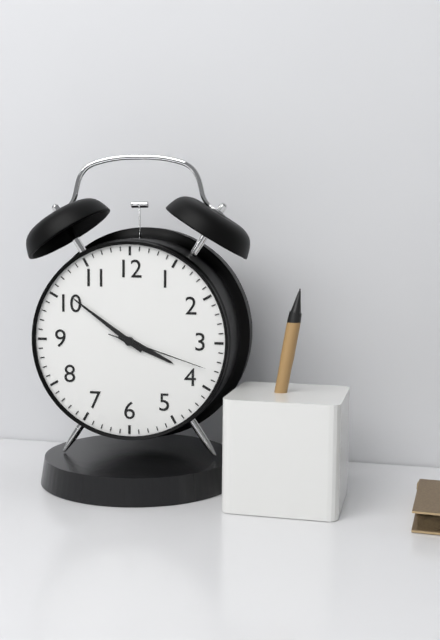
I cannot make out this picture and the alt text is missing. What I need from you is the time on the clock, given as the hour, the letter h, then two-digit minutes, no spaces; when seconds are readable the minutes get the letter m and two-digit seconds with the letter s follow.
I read 3h51m18s
